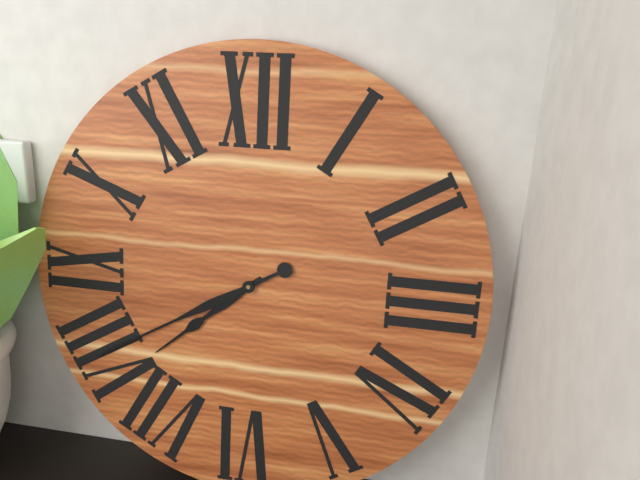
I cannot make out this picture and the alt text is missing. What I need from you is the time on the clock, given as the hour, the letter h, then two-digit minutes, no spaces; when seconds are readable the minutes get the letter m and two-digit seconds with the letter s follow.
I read 7h40
